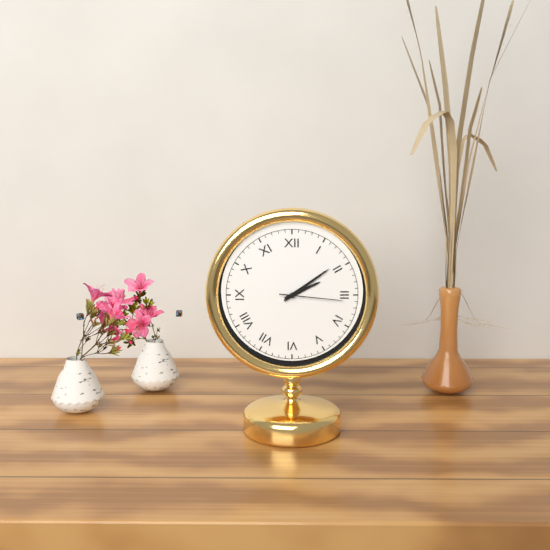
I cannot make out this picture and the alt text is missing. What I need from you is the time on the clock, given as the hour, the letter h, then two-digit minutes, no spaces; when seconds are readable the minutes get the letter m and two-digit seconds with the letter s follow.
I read 2h09m16s
